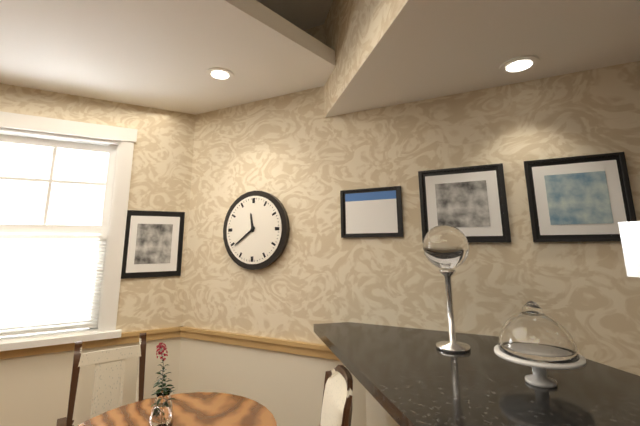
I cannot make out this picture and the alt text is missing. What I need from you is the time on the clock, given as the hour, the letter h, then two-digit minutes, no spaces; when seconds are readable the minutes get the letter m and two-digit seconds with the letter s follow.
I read 11h39
